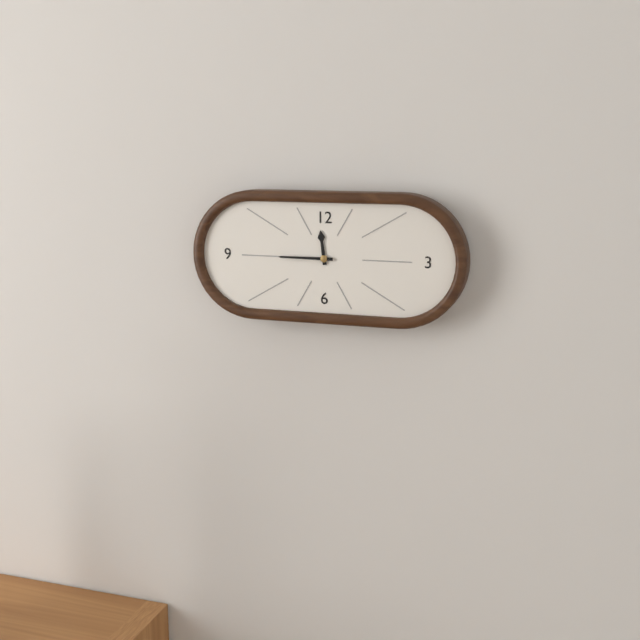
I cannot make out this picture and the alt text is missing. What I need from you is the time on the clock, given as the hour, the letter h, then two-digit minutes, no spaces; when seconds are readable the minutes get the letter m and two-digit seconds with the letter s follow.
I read 11h45
